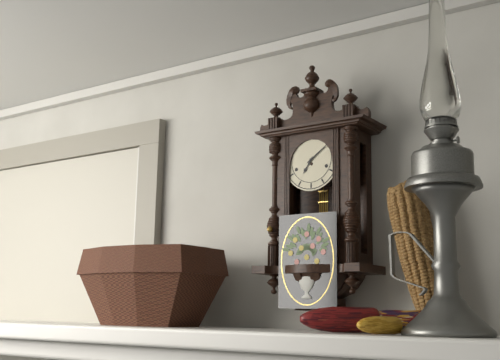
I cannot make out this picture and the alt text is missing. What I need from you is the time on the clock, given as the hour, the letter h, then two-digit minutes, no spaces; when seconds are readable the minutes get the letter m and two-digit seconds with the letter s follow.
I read 7h09
